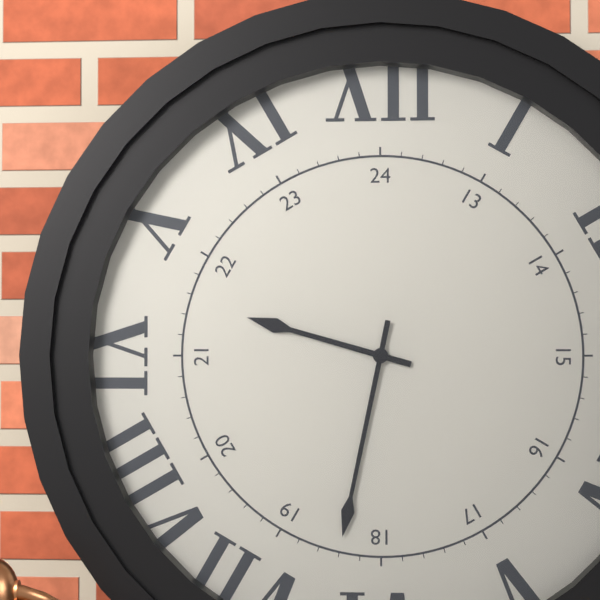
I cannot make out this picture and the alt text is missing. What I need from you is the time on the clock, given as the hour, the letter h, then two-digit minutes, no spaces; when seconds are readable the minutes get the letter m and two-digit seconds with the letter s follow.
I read 9h32
